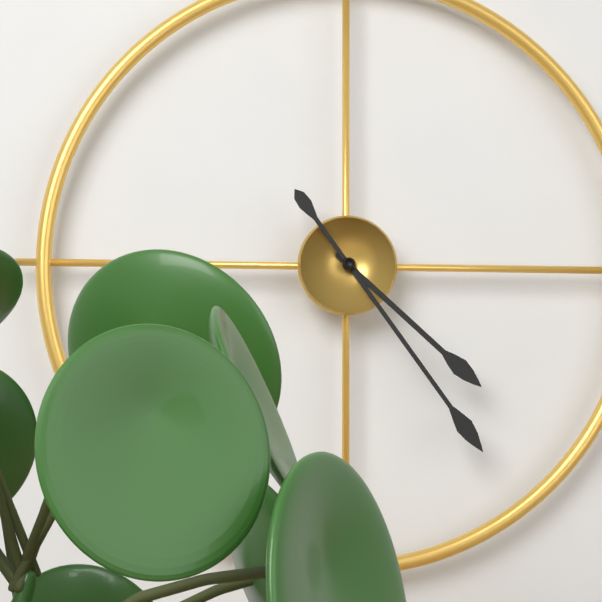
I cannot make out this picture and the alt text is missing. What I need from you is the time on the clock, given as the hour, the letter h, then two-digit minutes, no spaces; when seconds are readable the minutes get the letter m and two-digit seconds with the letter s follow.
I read 4h24
